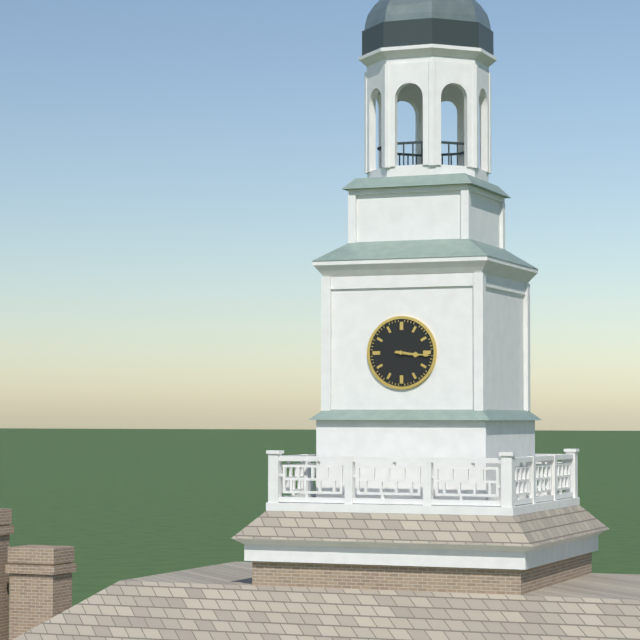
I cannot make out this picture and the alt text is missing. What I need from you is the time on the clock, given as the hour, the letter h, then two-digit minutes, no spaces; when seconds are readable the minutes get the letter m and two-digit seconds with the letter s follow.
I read 3h16
